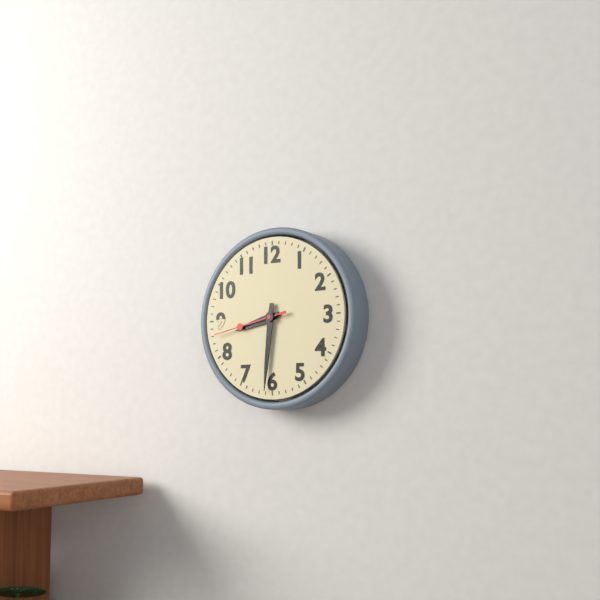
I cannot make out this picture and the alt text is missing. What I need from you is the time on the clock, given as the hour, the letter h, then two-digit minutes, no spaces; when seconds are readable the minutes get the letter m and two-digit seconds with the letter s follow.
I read 8h31m43s
